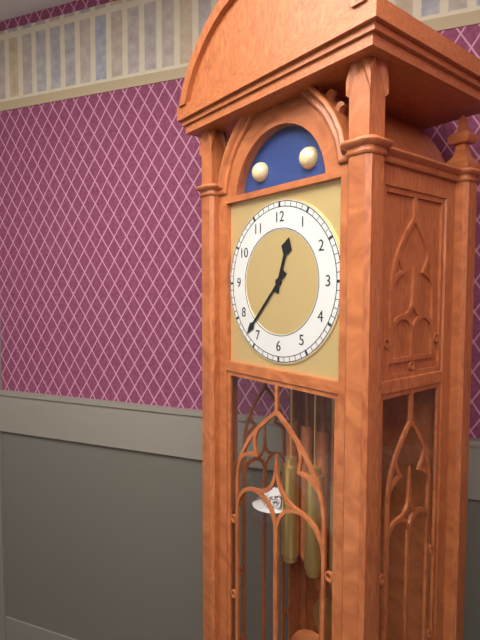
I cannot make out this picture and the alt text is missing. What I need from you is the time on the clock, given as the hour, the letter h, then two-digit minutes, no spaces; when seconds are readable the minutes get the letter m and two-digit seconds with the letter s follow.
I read 12h37
